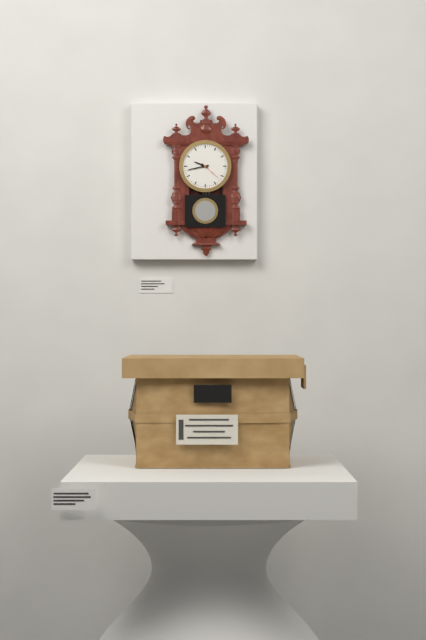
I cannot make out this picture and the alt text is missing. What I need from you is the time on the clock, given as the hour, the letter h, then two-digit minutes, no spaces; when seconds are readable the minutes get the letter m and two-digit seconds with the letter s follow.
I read 9h43
